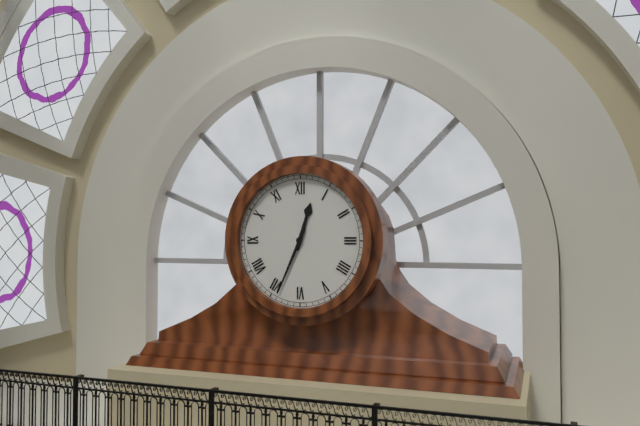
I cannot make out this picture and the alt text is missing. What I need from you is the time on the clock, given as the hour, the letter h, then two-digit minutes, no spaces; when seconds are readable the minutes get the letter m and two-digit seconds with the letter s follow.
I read 12h34
